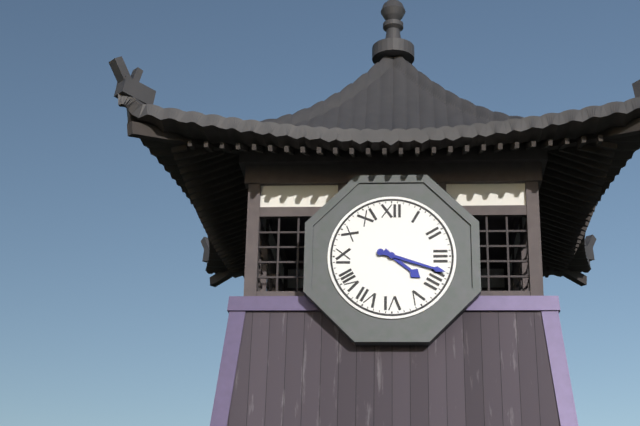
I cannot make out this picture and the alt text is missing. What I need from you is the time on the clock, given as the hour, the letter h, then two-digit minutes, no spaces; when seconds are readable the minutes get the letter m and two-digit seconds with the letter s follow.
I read 4h18
